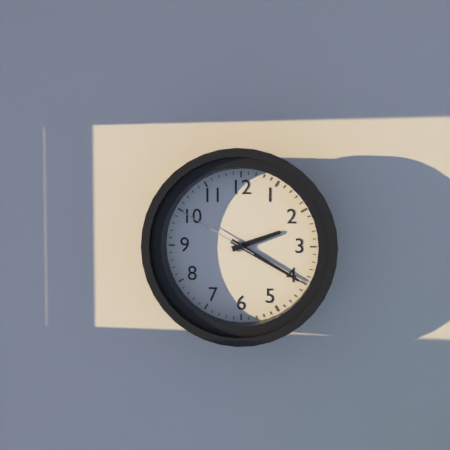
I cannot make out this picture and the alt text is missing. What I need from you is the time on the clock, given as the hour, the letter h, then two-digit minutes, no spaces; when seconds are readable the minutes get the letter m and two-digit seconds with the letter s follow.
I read 2h20m50s
